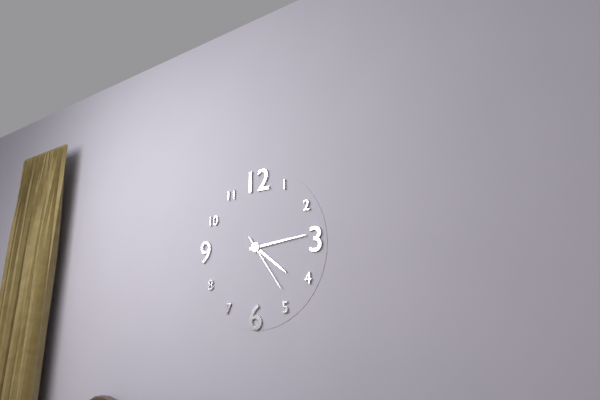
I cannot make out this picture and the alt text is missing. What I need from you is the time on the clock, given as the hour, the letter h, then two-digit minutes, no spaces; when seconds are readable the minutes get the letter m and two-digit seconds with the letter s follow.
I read 4h14m24s
